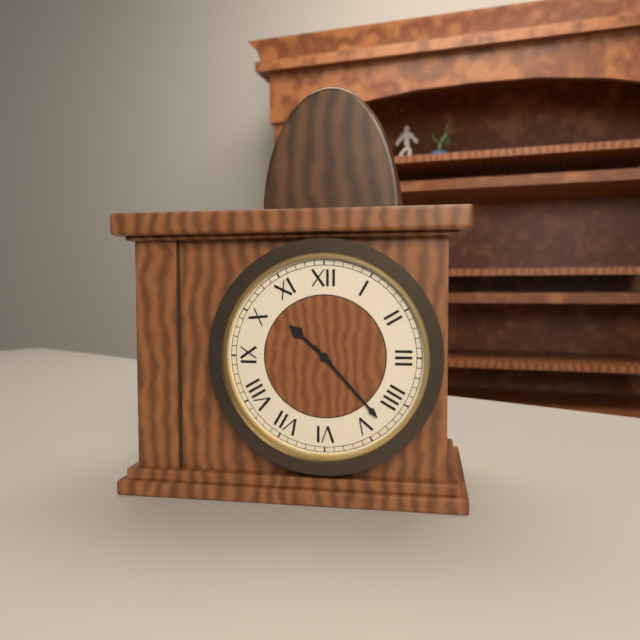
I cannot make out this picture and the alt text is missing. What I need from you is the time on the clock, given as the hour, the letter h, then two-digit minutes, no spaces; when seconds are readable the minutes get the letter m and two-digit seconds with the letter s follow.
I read 10h23
